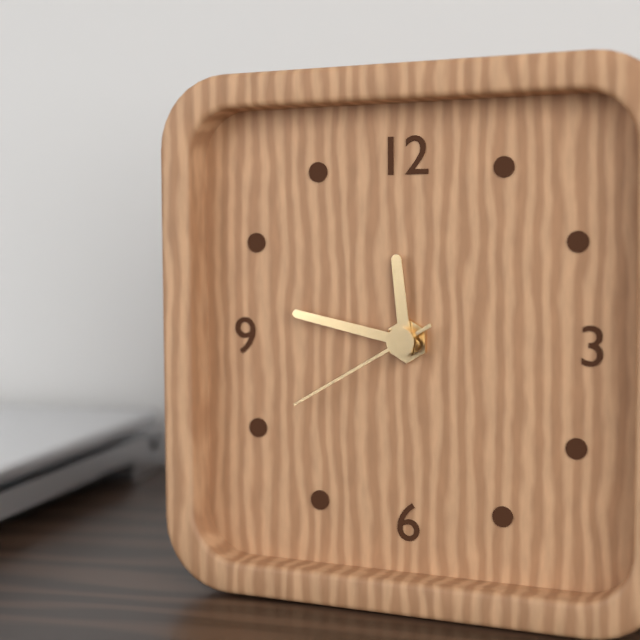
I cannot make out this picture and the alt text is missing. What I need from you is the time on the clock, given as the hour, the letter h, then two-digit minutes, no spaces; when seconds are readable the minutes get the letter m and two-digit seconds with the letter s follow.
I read 11h47m40s
